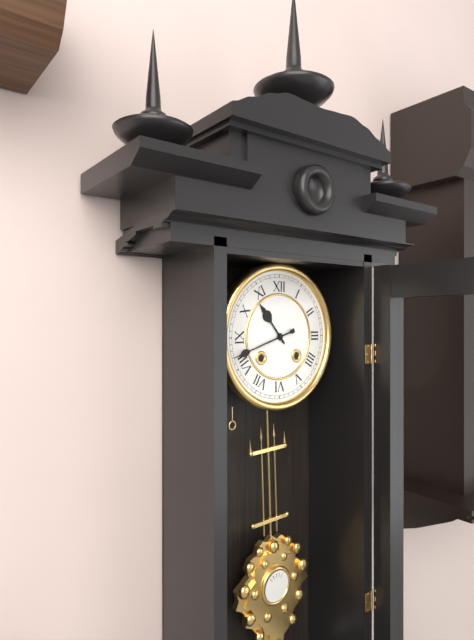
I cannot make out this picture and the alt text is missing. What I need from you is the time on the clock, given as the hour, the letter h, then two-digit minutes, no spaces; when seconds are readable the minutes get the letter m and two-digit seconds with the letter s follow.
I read 10h42
